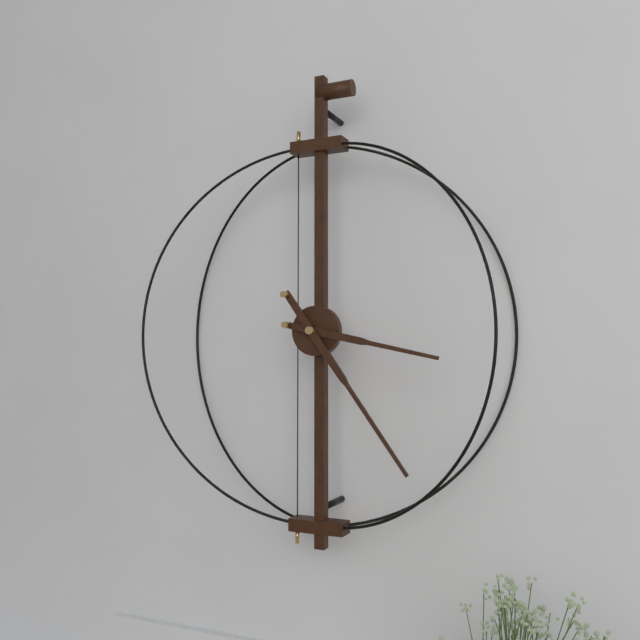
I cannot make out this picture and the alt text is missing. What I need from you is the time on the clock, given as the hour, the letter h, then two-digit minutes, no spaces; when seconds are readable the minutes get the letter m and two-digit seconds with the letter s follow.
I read 3h24
